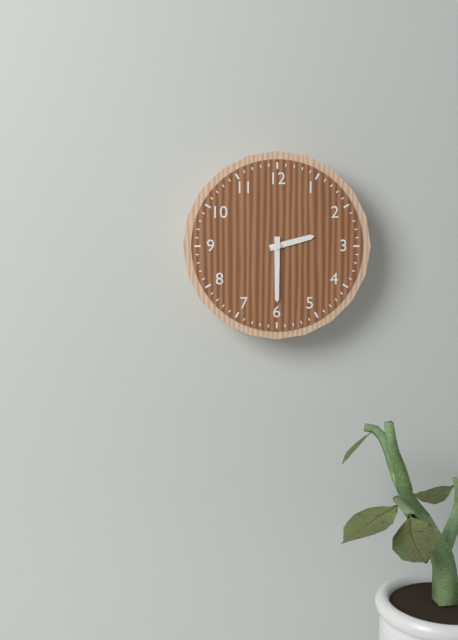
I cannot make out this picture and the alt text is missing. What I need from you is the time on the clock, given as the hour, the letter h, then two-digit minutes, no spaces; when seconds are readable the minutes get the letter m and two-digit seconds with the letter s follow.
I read 2h30
